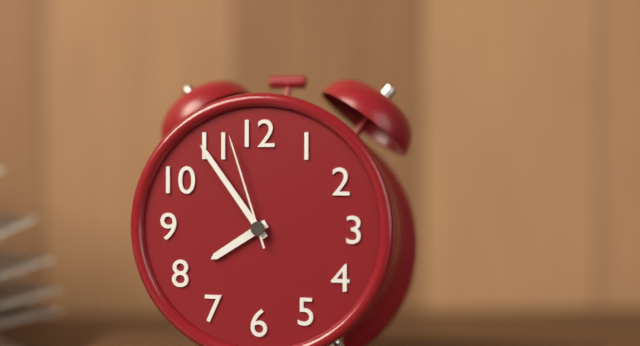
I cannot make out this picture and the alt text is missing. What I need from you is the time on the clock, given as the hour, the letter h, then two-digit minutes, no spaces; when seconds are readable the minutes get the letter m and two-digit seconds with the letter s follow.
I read 7h54m57s
